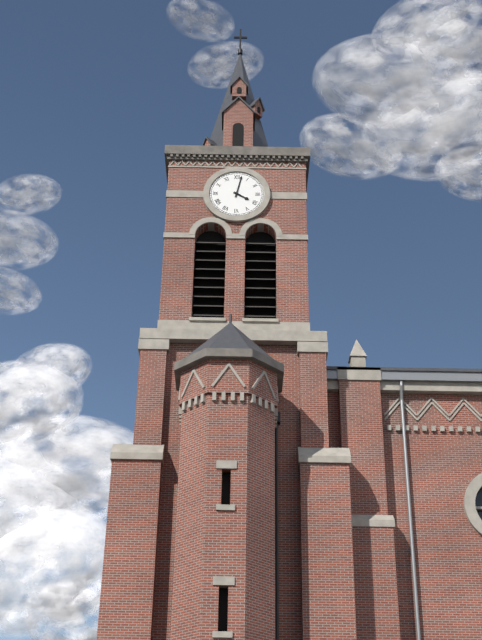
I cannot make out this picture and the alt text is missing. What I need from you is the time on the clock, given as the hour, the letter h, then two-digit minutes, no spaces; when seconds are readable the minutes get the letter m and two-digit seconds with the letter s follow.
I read 4h02
